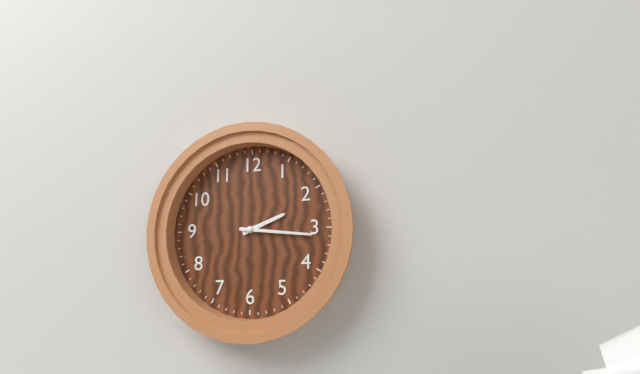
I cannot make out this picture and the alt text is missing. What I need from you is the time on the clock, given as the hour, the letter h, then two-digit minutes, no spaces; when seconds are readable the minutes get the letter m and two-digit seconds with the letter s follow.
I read 2h16
